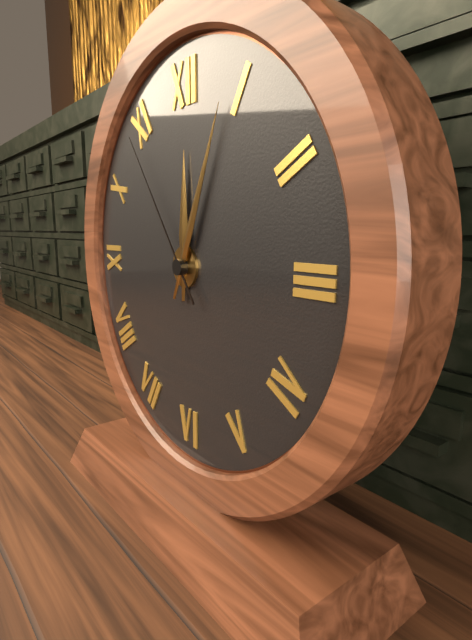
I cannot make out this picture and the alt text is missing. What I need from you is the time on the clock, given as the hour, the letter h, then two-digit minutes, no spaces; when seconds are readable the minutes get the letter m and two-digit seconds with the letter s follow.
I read 12h04m54s
